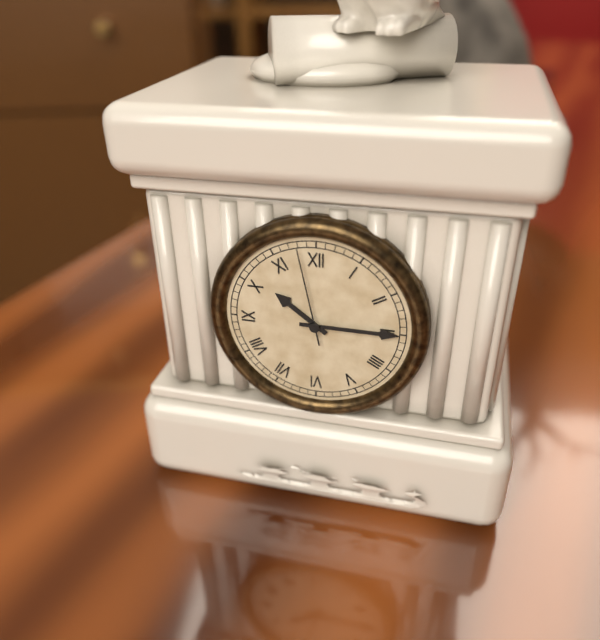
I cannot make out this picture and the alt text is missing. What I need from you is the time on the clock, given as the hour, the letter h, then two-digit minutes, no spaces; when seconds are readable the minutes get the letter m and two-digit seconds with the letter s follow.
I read 10h15m58s
